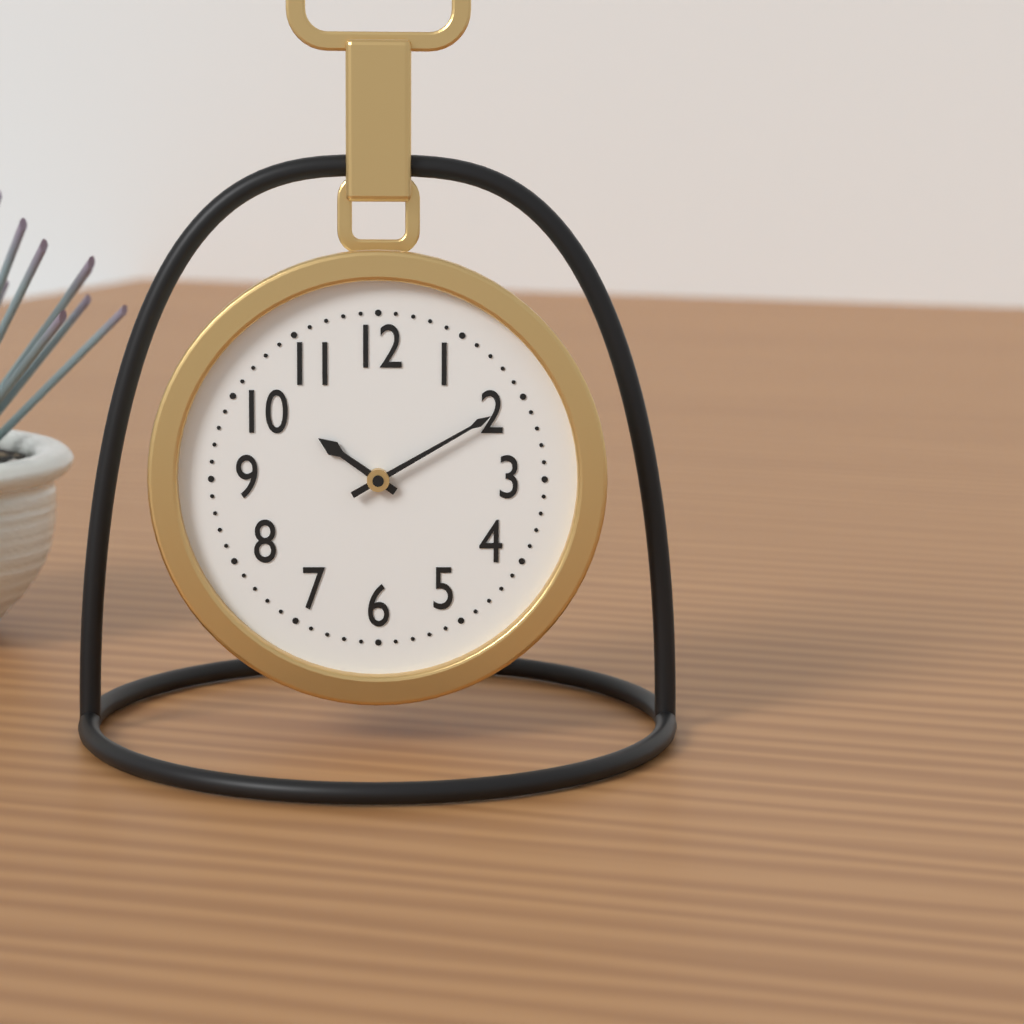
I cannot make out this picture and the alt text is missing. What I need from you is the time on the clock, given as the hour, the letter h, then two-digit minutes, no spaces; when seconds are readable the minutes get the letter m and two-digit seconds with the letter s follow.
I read 10h10
